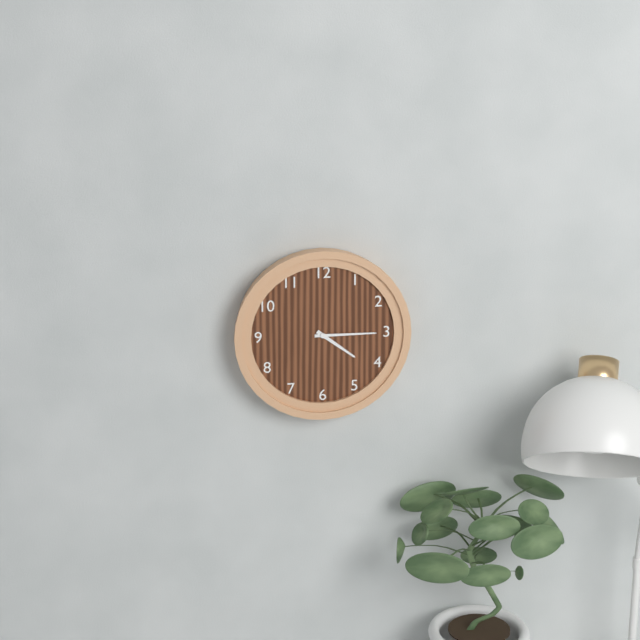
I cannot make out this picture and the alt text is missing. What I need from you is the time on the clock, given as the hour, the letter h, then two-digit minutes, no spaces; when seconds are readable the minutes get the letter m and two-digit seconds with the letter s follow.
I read 4h15
